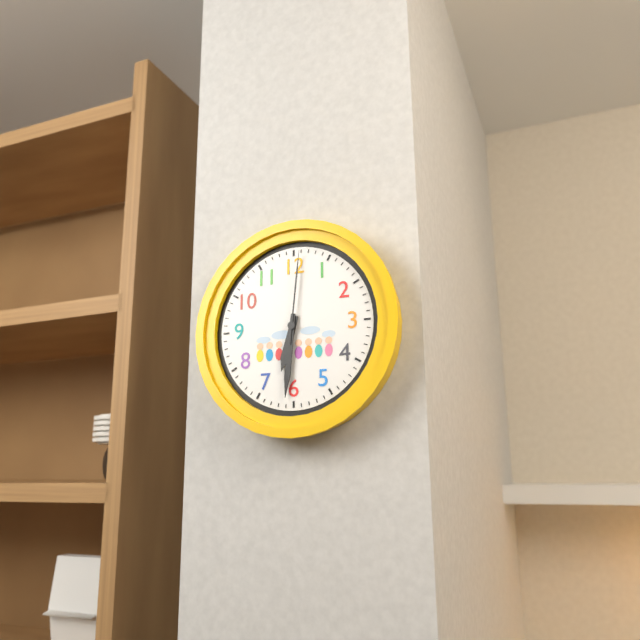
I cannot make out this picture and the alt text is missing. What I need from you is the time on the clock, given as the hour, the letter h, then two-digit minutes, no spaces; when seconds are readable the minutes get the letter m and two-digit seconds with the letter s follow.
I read 6h31m01s
